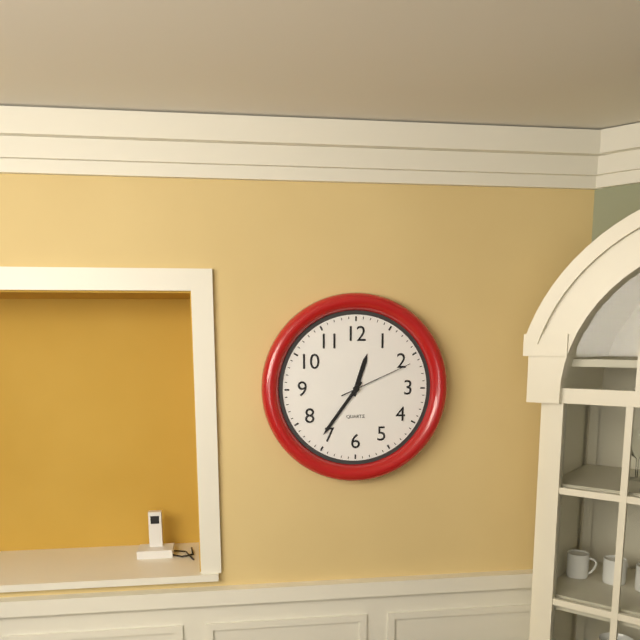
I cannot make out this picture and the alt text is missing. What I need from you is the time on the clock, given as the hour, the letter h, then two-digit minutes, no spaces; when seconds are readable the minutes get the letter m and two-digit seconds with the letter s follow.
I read 12h36m11s
